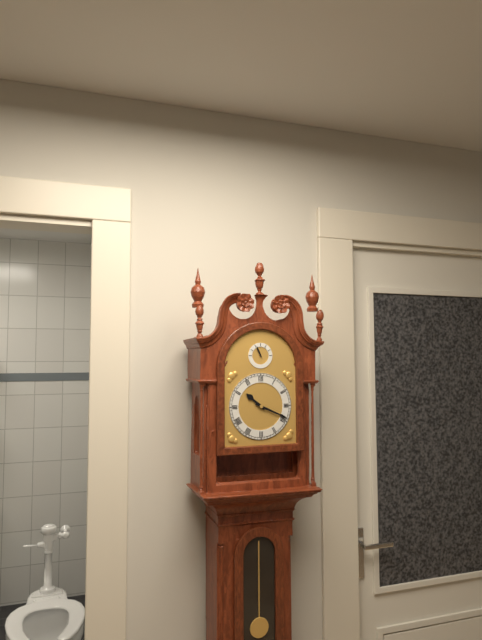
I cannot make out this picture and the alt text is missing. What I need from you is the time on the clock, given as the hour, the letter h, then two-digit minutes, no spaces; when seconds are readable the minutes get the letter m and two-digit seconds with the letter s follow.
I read 10h19
